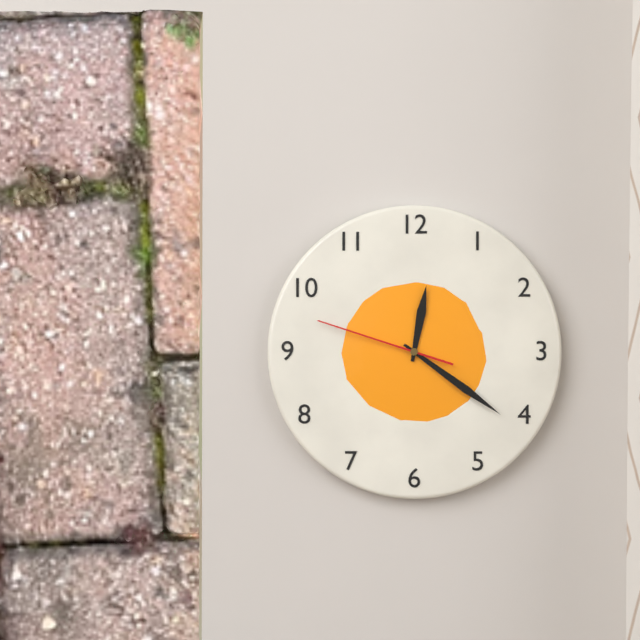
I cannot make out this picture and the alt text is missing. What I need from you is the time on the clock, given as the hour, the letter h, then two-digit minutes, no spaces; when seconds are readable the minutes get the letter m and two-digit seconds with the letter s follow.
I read 12h21m48s
